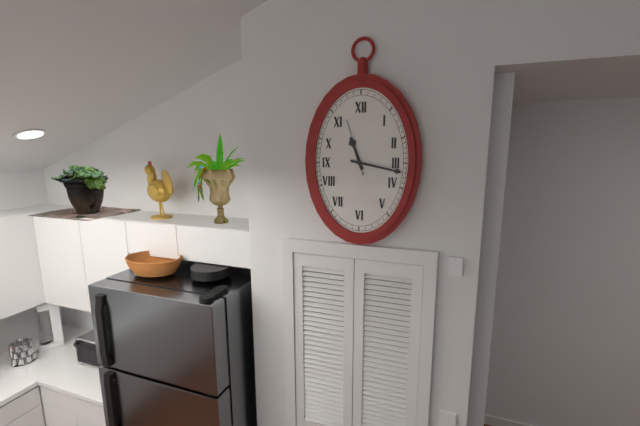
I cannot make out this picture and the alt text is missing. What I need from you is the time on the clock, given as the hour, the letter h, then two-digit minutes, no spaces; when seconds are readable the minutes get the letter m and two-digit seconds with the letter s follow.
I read 11h17m57s
